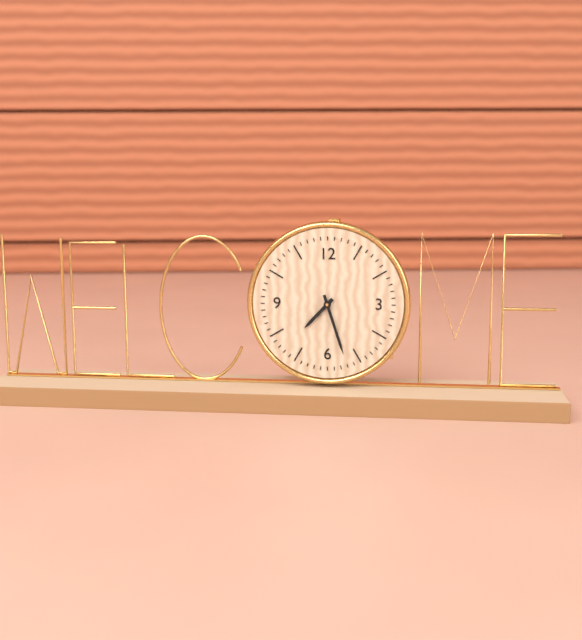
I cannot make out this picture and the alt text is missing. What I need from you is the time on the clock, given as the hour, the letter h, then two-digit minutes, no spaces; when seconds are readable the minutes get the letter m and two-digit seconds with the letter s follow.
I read 7h27
